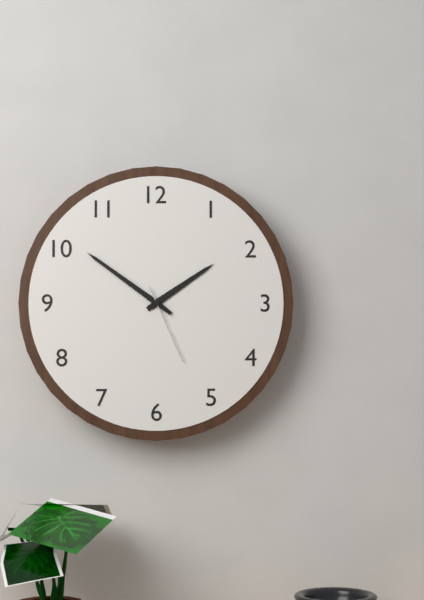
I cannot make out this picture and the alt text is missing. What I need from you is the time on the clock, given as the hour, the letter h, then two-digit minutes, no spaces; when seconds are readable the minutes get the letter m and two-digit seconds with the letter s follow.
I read 1h51m26s
